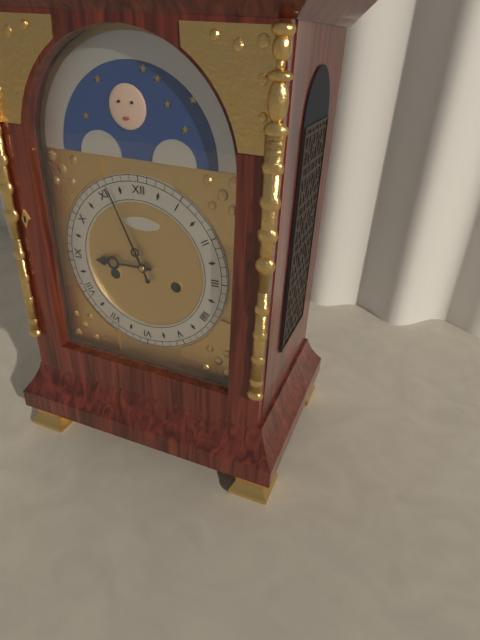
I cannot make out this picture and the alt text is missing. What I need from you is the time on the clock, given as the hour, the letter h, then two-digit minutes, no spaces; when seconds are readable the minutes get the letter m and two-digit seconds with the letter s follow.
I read 8h56
